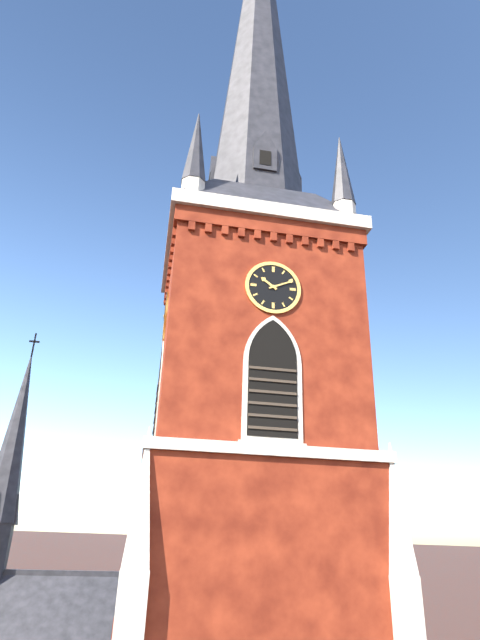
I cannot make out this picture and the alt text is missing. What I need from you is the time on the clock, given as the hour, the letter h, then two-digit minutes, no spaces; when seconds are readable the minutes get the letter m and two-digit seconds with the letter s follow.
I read 10h11
